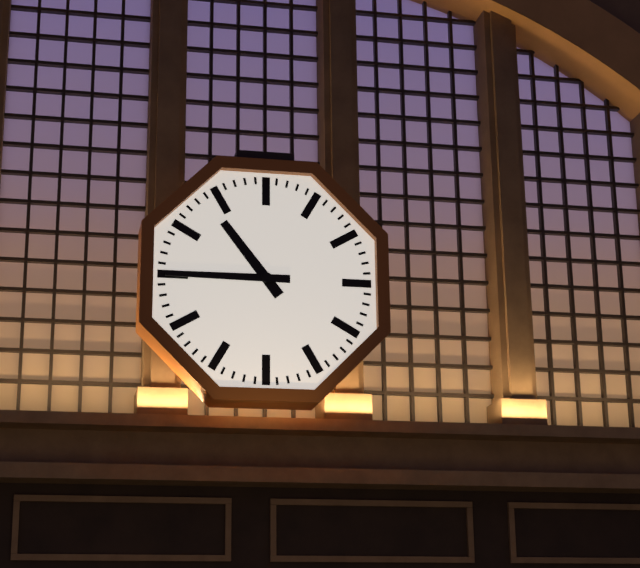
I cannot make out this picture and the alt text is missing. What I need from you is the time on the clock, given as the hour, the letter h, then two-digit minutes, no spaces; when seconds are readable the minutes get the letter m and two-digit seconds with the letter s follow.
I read 10h45
